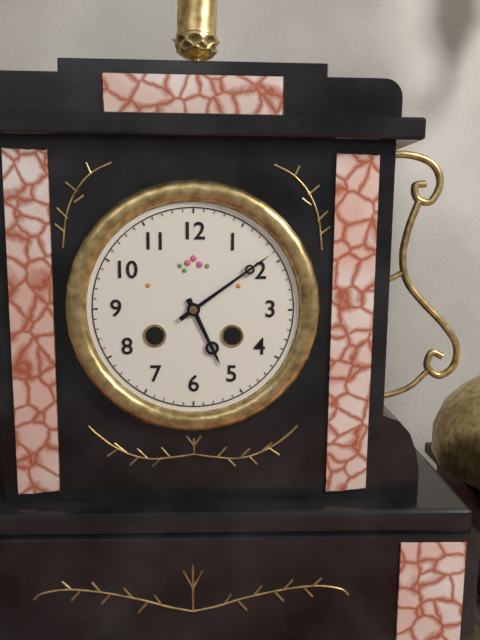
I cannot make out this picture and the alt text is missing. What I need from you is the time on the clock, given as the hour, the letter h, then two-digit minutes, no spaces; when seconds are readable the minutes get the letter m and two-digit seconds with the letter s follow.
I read 5h09
